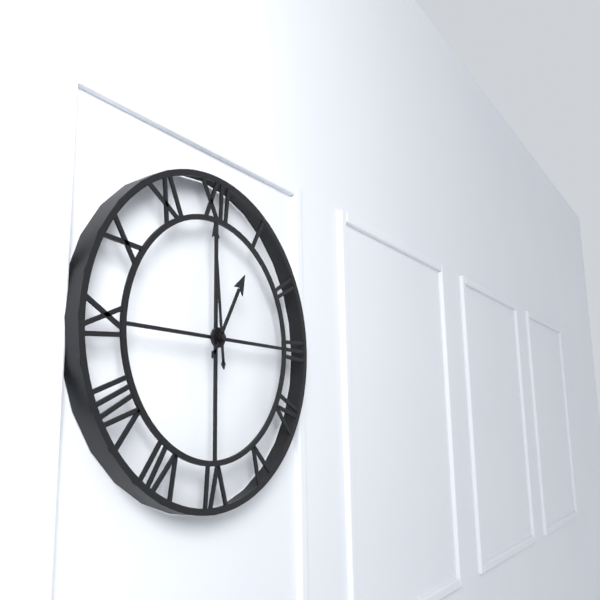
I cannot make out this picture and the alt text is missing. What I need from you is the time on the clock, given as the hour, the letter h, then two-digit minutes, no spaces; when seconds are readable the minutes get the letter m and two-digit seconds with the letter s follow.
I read 12h59
